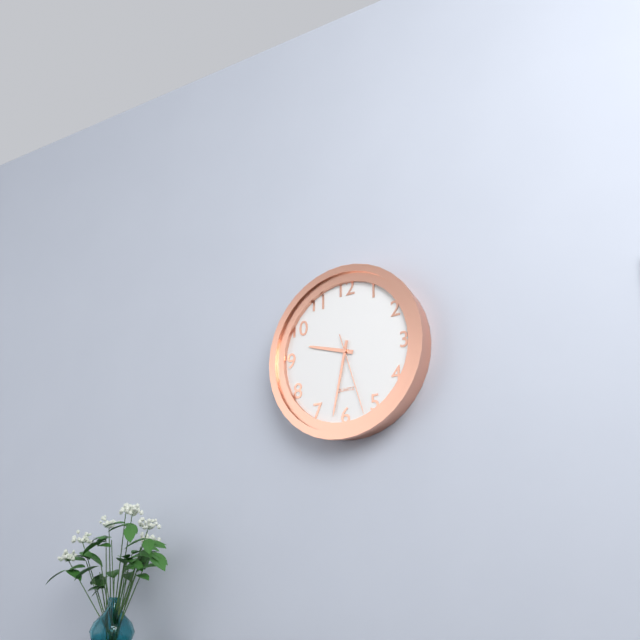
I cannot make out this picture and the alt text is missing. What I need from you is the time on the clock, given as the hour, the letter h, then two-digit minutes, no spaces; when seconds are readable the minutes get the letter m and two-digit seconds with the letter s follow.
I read 9h32m27s
